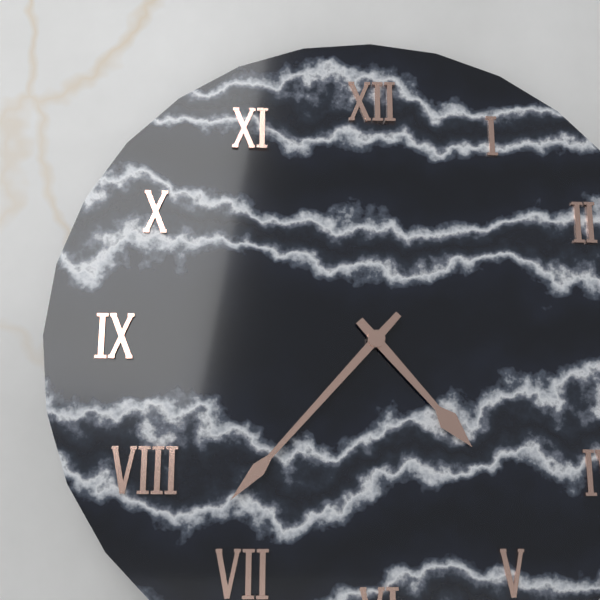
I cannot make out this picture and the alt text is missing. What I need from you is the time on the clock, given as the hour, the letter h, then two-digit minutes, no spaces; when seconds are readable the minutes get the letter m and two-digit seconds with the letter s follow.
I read 4h37
